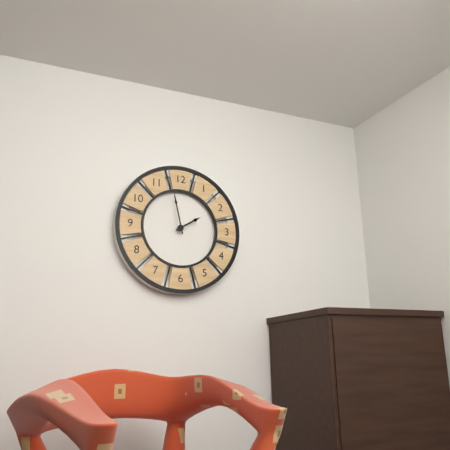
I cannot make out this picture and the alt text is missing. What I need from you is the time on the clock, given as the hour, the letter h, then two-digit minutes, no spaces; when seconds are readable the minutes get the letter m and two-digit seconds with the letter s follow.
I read 1h58
